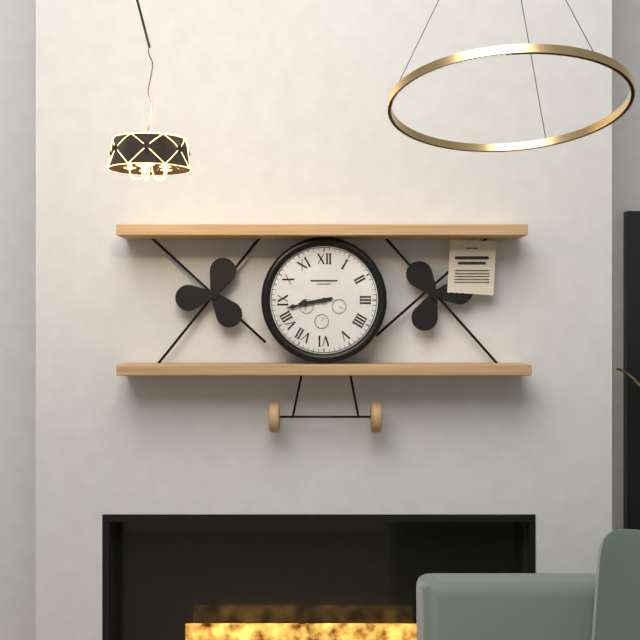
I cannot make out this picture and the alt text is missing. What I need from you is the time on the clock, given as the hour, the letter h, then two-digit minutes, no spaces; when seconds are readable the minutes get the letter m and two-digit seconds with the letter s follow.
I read 8h43
